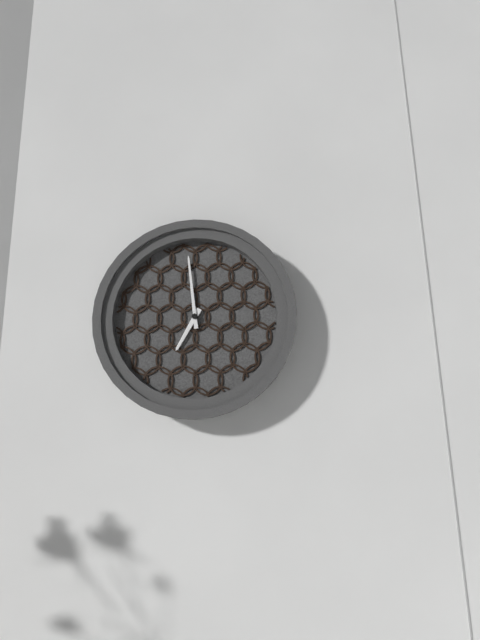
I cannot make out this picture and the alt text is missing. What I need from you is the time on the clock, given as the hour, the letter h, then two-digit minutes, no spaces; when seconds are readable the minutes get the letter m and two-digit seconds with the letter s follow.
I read 6h59
